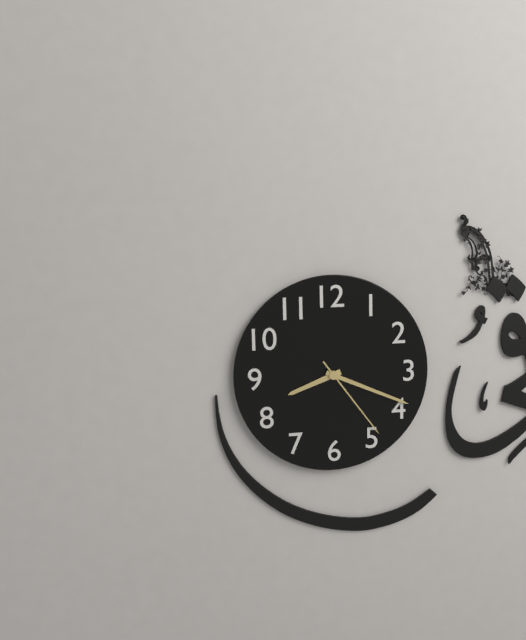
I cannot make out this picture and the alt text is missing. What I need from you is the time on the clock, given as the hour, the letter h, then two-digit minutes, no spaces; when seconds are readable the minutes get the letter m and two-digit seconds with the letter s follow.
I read 8h19m24s
